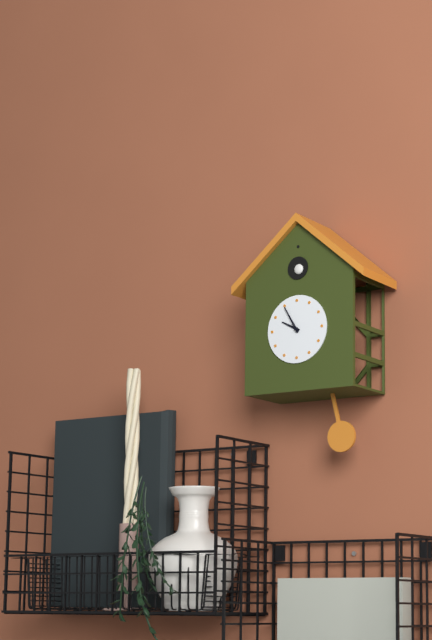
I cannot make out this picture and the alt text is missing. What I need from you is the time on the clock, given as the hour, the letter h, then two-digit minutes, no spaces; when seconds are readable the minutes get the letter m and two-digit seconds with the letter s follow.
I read 9h55
